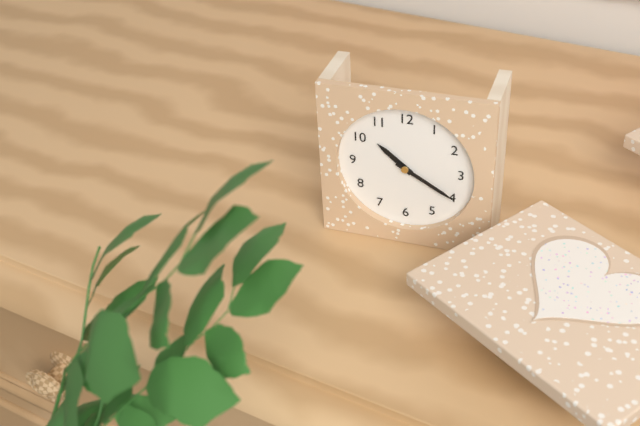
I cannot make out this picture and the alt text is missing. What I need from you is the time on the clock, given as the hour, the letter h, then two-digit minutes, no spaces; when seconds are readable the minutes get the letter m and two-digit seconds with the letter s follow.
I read 10h20
